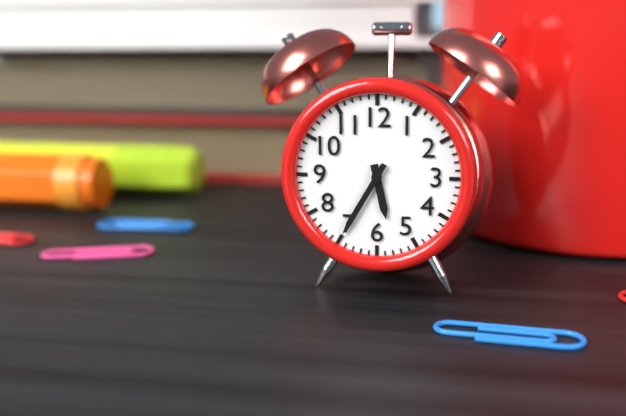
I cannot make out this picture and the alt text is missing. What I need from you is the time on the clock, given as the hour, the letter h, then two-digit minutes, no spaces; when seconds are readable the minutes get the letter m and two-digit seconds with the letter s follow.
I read 5h35
